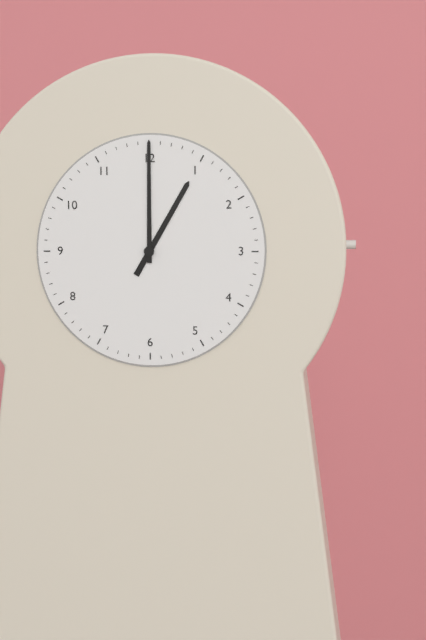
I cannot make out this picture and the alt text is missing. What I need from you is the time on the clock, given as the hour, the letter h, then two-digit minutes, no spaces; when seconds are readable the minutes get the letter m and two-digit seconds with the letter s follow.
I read 1h00
